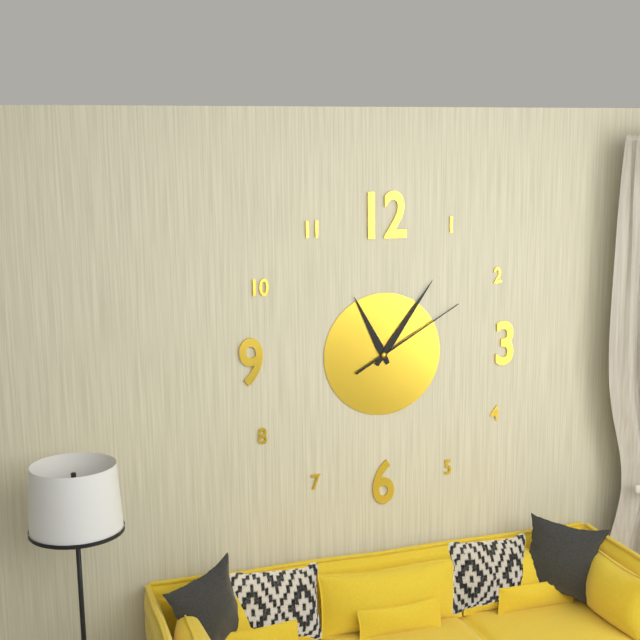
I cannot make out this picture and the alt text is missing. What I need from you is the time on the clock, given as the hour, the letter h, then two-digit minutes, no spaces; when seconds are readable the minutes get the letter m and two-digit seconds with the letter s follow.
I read 11h06m10s
